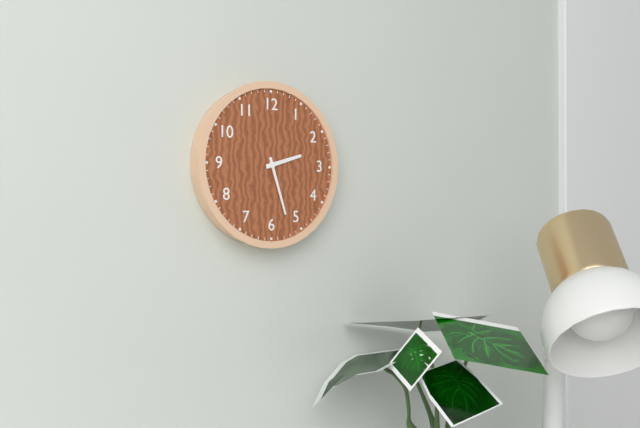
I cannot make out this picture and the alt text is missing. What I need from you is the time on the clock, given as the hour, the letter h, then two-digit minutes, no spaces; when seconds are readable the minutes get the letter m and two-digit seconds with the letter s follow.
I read 2h27
